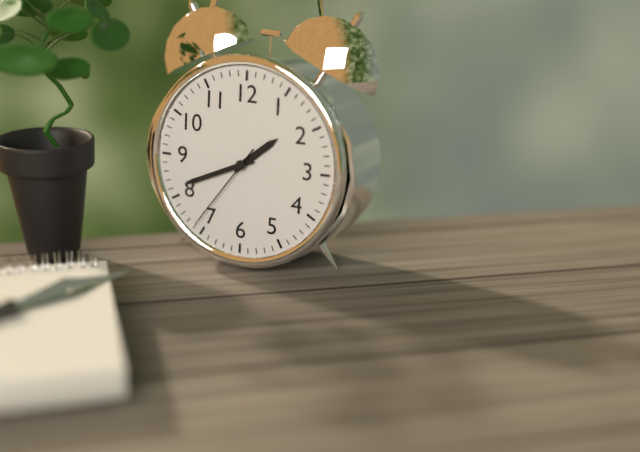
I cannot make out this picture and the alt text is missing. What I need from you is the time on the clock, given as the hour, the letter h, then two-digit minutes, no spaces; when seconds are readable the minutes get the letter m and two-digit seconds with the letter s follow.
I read 1h41m36s
